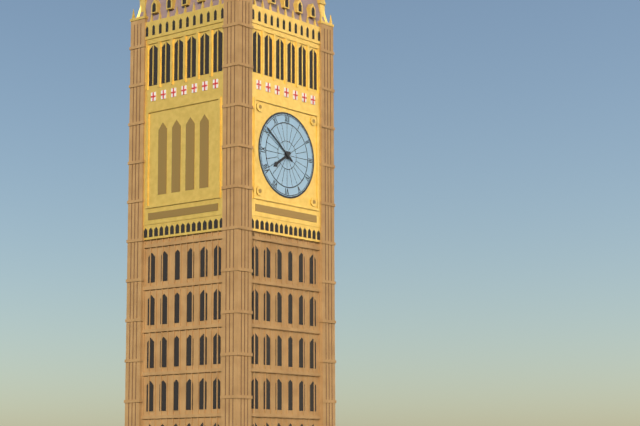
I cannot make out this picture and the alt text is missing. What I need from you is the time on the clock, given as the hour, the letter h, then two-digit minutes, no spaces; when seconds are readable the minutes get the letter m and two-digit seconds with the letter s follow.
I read 7h51
